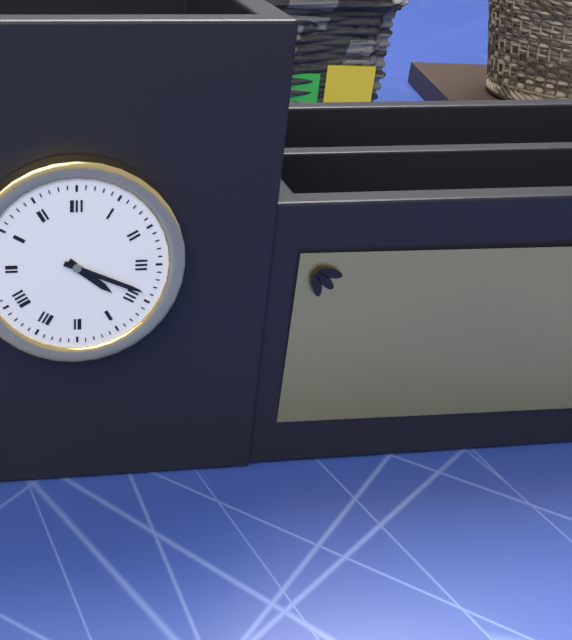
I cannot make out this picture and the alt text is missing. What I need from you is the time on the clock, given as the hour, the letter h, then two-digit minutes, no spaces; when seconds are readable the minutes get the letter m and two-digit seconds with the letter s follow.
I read 4h19
